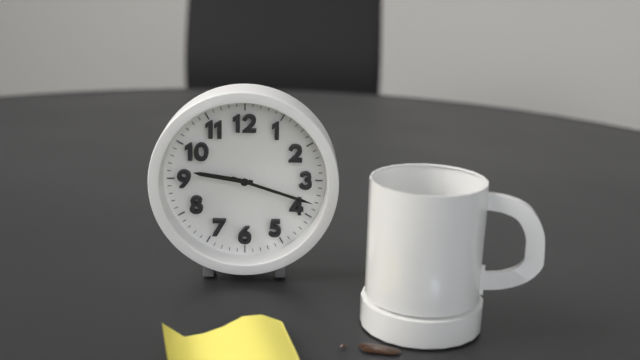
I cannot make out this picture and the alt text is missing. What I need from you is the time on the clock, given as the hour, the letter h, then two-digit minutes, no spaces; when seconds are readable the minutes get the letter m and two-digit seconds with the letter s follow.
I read 9h18
